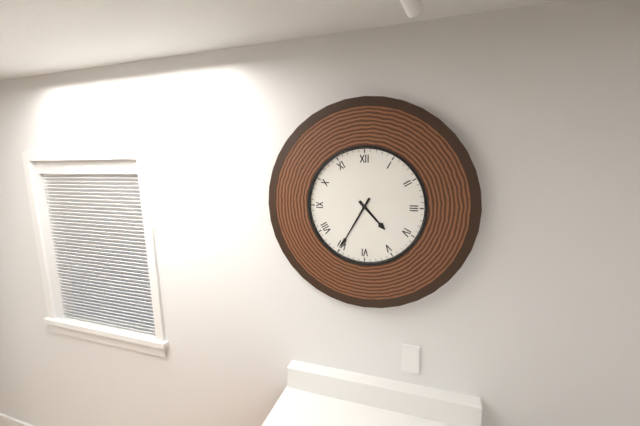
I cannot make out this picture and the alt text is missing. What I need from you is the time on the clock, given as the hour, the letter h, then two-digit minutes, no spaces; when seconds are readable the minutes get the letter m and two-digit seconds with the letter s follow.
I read 4h35
